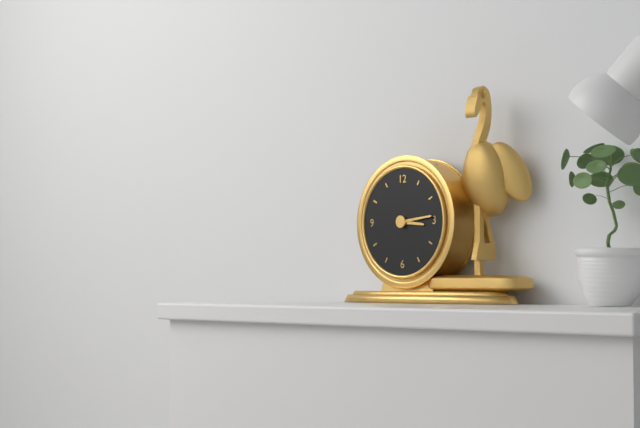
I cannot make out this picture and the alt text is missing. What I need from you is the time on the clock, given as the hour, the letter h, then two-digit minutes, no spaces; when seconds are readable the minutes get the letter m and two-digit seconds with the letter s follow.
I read 3h14
